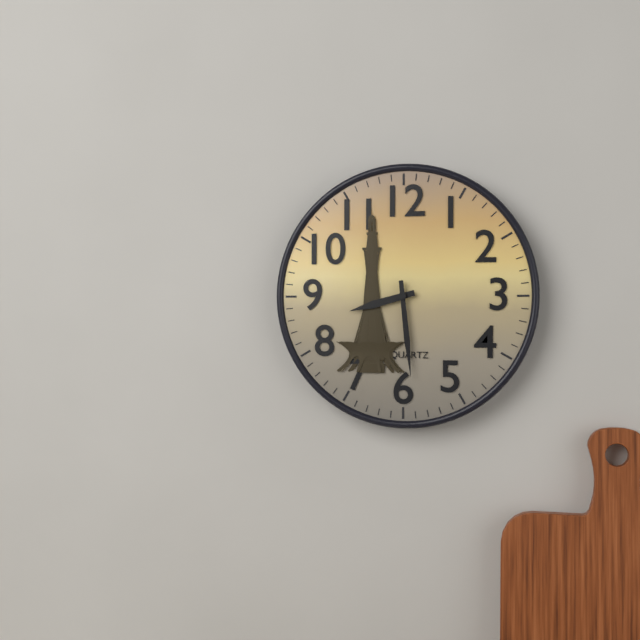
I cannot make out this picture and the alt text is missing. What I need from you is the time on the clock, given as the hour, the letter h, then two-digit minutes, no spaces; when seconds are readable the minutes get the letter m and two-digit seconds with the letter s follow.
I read 8h29
